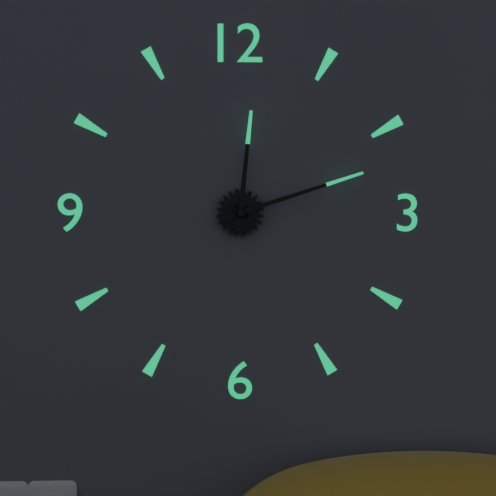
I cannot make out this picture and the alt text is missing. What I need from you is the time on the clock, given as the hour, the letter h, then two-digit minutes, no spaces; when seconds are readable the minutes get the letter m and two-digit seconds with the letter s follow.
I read 12h12
